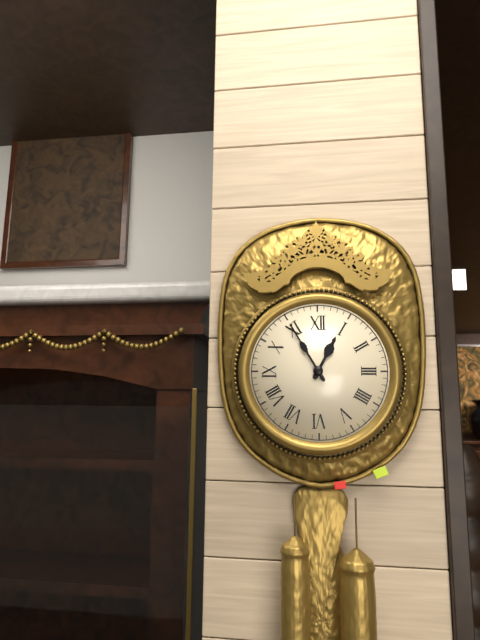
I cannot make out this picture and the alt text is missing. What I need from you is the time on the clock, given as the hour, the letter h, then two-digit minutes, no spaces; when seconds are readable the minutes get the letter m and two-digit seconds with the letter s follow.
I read 12h55
